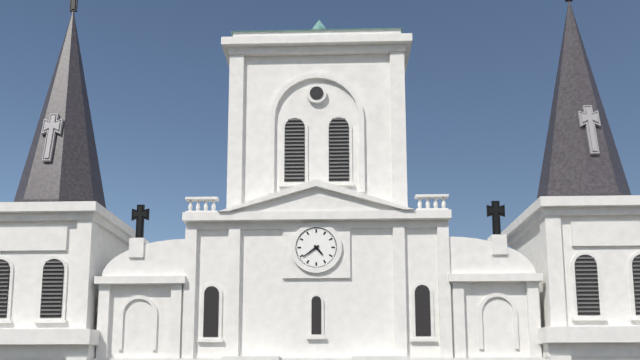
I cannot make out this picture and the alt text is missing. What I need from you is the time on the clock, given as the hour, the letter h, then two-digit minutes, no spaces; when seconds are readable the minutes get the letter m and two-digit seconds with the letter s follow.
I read 4h39
